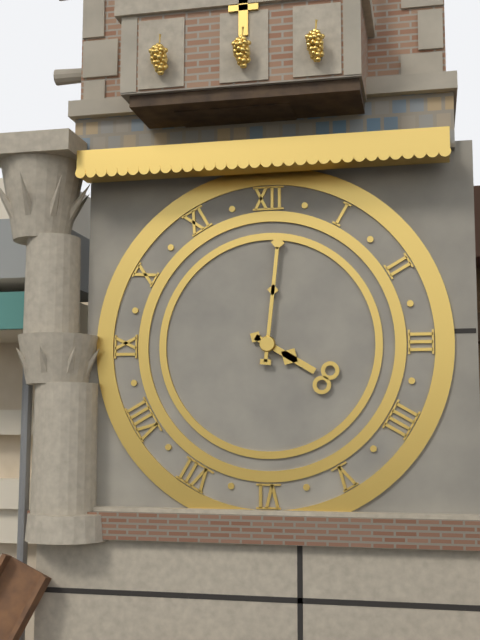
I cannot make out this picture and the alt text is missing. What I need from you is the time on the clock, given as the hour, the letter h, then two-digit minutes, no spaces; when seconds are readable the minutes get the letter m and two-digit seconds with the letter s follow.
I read 4h01
